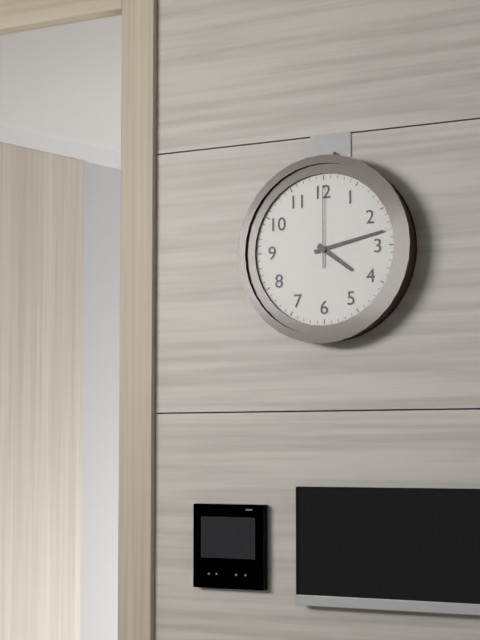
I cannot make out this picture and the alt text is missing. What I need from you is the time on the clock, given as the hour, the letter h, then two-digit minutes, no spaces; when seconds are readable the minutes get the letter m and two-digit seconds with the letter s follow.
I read 4h13m00s
